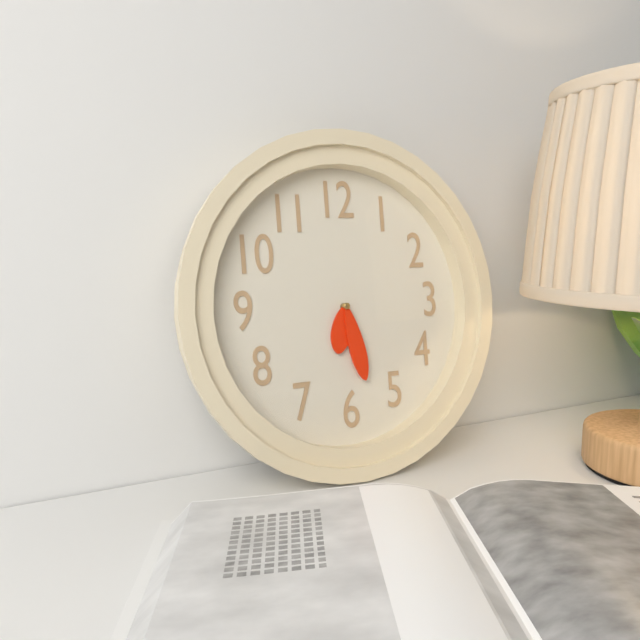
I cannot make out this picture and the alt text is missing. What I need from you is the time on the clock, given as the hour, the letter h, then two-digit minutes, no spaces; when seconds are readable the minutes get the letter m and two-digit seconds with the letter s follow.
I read 6h28
